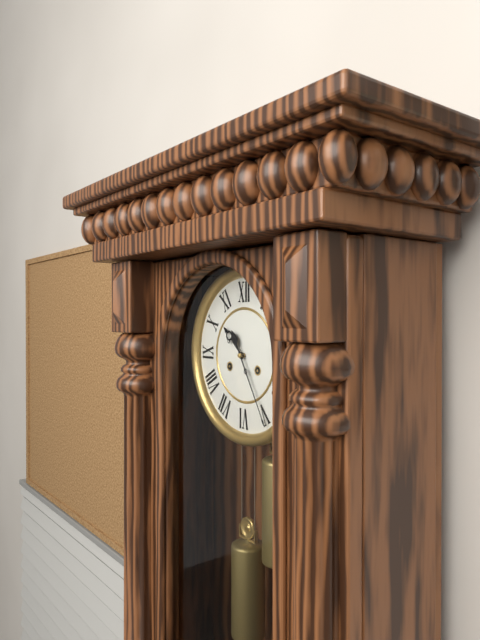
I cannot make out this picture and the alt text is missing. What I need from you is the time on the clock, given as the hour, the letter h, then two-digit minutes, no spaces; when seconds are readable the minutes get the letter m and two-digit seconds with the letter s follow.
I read 10h25
